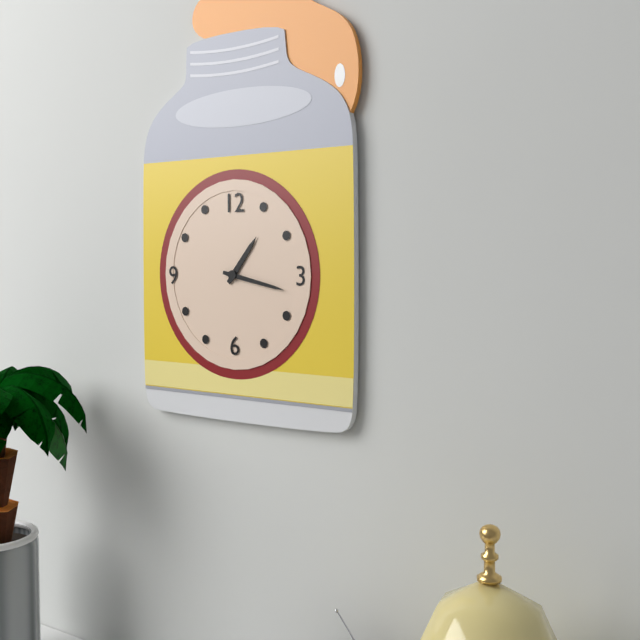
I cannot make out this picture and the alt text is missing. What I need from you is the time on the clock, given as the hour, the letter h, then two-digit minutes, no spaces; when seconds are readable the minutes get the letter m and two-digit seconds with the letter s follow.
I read 1h17
